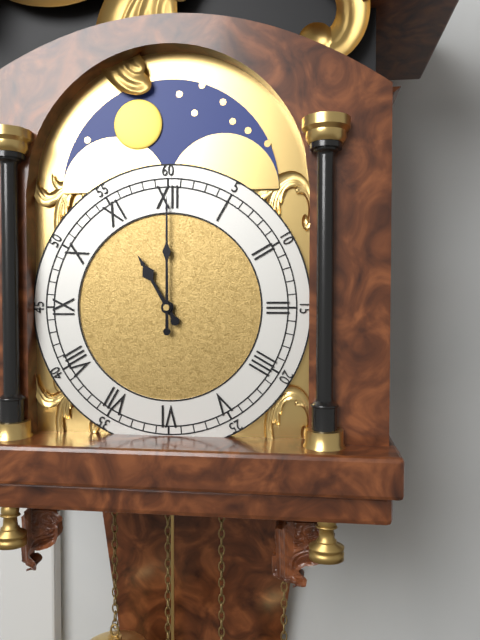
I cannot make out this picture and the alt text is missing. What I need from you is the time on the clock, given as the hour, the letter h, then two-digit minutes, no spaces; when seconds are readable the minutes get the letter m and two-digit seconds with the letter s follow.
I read 11h00
